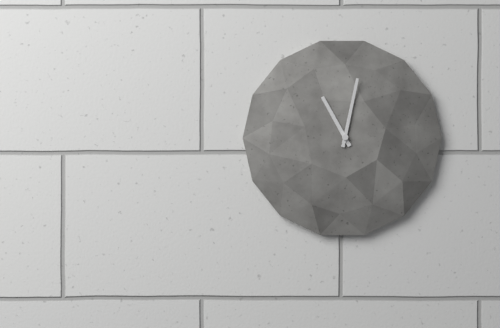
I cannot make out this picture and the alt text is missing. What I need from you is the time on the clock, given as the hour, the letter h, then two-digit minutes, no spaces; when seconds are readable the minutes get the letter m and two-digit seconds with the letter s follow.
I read 11h02
